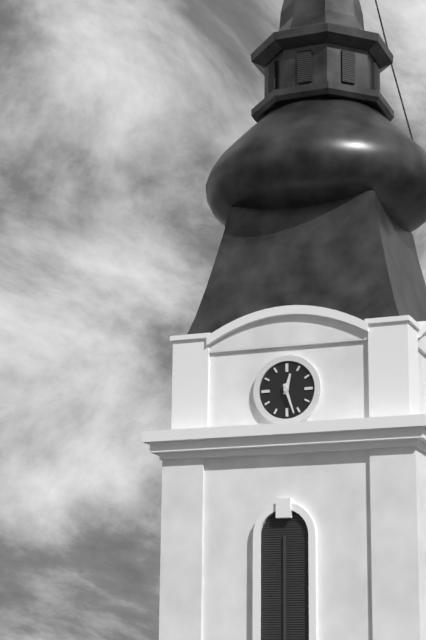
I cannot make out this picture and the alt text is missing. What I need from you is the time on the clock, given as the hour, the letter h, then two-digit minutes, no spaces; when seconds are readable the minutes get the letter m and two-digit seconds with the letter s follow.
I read 12h27
